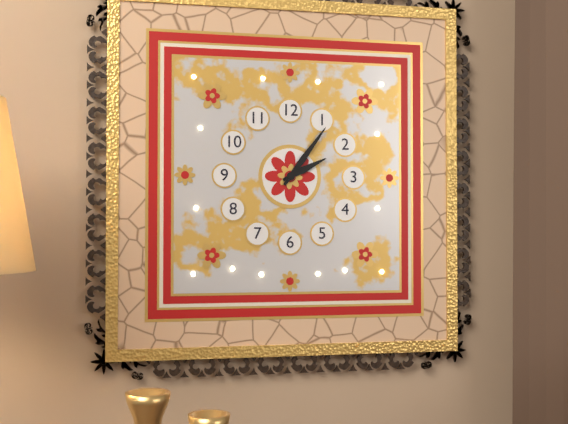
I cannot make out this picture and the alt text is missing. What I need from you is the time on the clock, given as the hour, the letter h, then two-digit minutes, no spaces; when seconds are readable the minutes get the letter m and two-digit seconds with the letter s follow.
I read 2h06
